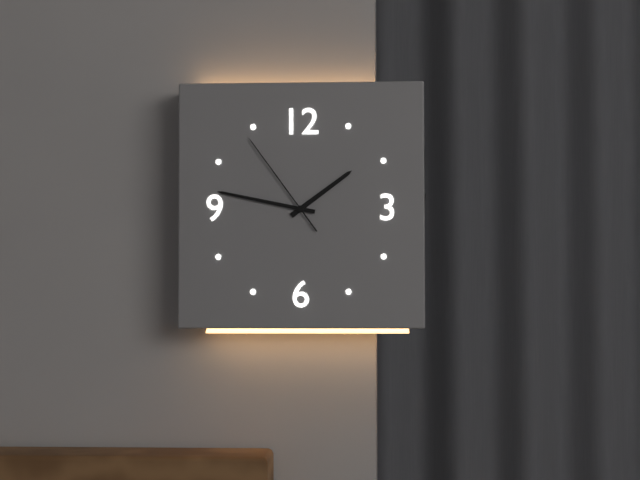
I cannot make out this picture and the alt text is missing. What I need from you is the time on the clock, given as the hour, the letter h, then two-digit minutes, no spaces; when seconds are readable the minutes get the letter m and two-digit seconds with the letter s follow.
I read 1h47m54s
